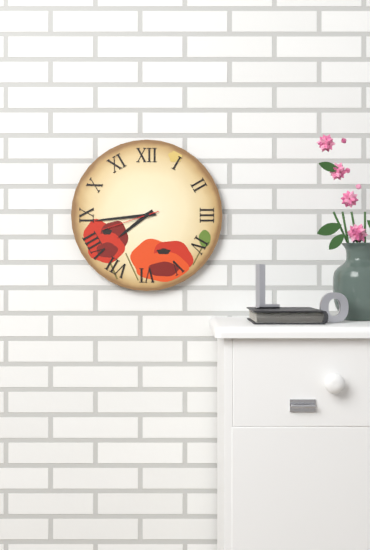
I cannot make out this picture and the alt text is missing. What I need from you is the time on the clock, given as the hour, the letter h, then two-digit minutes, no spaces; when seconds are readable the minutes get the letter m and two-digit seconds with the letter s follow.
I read 7h44m42s
